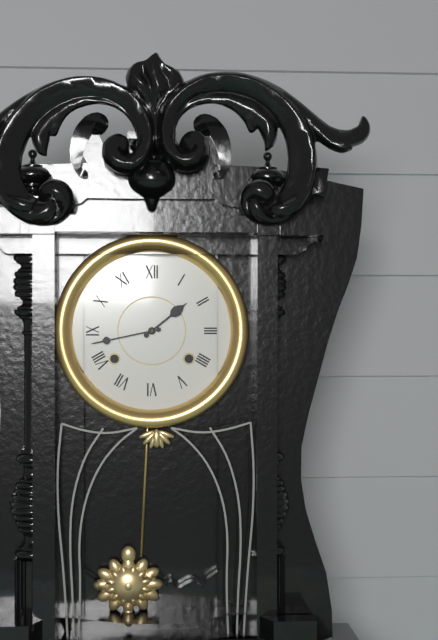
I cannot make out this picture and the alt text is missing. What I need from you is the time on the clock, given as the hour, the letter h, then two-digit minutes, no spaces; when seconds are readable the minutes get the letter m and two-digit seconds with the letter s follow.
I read 1h43
